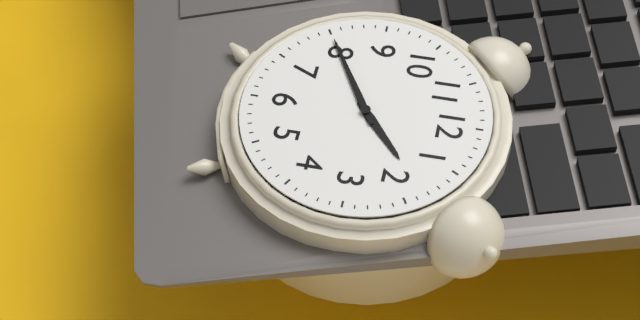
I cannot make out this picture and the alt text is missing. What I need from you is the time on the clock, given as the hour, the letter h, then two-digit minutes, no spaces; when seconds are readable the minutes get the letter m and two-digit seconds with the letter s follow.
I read 1h40
